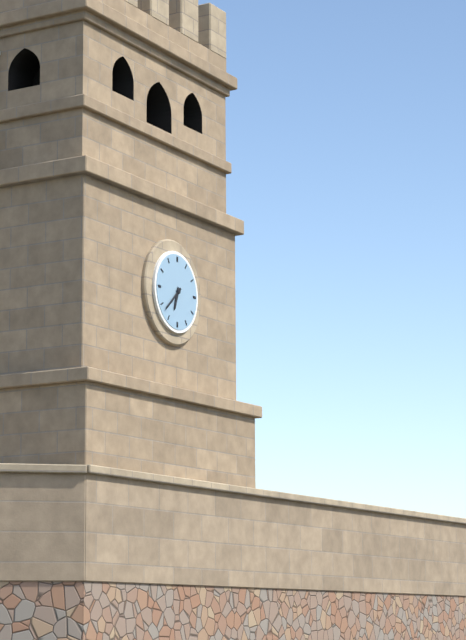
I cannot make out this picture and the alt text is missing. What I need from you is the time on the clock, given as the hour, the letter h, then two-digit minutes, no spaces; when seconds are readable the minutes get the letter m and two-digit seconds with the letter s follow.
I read 6h38
